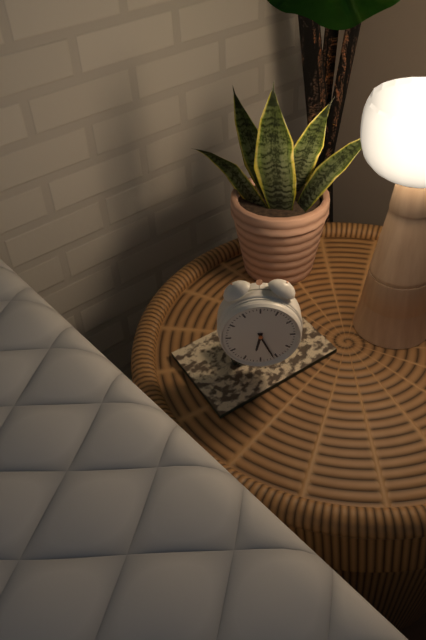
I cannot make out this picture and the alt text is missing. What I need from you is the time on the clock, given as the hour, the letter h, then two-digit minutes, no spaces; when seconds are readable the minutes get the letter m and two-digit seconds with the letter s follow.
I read 6h26
